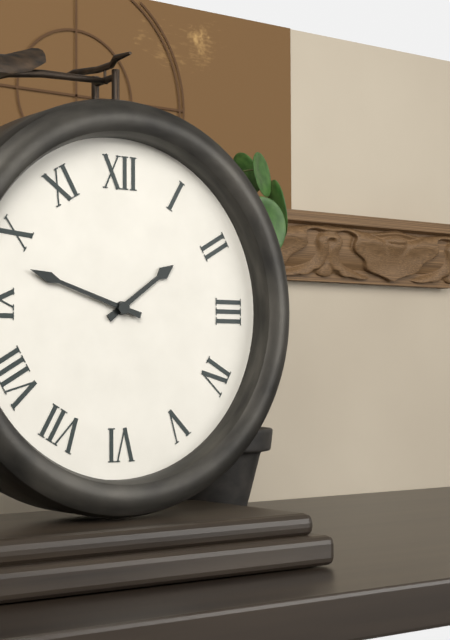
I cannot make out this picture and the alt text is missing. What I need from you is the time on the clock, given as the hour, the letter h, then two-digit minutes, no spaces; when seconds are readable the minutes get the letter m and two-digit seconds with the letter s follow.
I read 1h48
